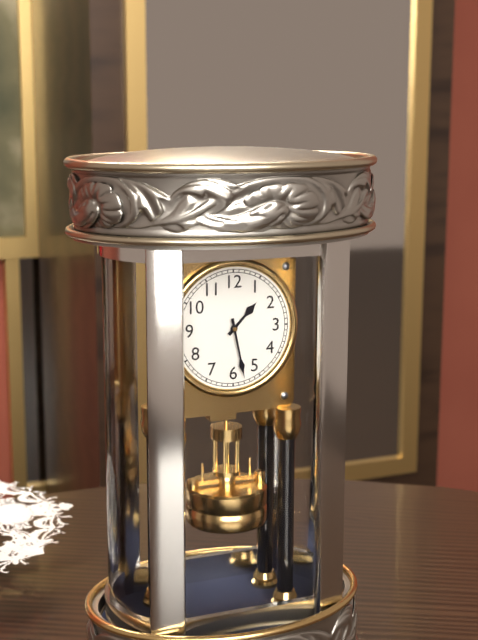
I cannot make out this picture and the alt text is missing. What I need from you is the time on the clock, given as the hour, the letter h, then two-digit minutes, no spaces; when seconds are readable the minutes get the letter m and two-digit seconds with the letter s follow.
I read 1h28
